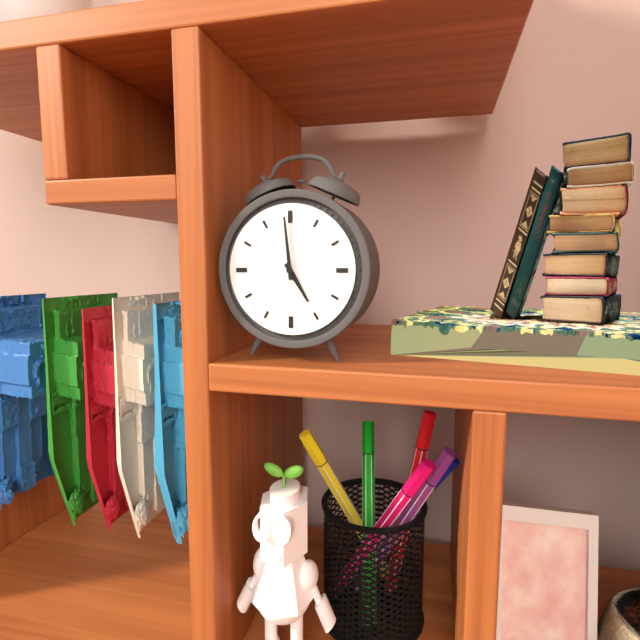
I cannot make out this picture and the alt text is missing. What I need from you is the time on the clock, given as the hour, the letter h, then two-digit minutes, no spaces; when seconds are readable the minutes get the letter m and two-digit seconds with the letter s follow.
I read 4h59
